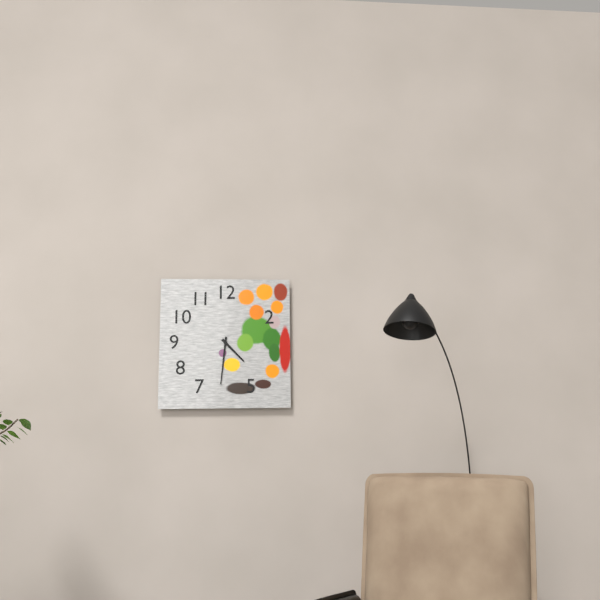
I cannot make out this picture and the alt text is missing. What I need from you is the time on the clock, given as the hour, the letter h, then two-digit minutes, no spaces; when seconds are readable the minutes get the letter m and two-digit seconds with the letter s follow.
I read 4h31
